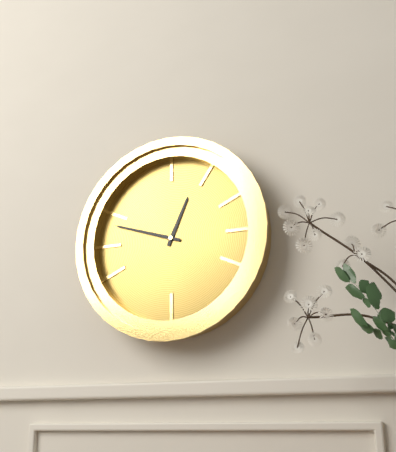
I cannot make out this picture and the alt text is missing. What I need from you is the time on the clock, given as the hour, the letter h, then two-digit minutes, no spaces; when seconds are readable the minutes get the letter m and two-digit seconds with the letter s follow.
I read 12h48
